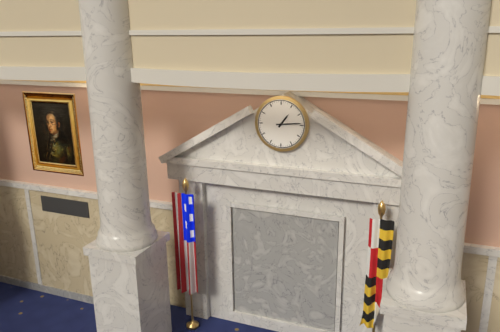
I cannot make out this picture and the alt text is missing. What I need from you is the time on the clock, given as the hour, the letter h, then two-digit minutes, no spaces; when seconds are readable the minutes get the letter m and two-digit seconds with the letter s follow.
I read 1h14
